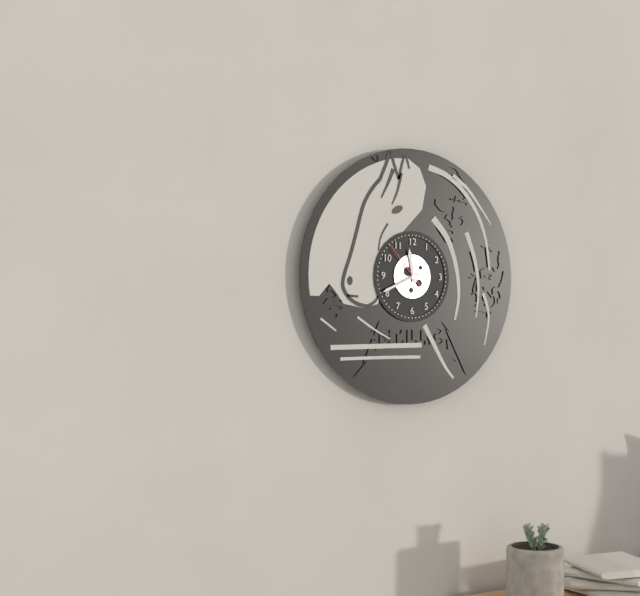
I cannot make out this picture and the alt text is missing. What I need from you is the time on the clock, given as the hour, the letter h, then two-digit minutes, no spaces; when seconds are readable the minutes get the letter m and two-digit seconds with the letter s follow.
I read 11h41
